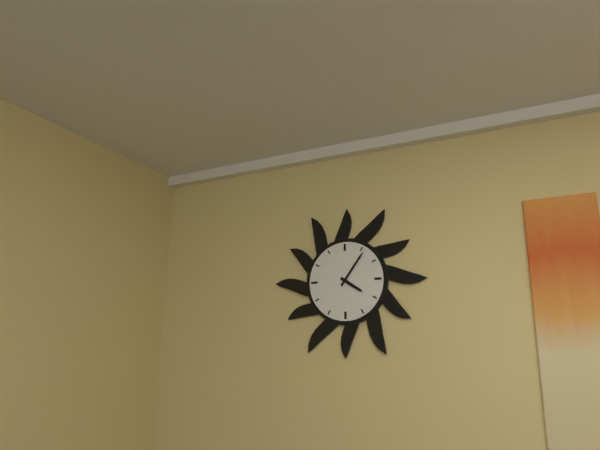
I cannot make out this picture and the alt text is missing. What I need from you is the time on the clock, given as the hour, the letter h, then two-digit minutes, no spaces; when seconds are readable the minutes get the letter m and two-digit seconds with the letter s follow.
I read 4h06
